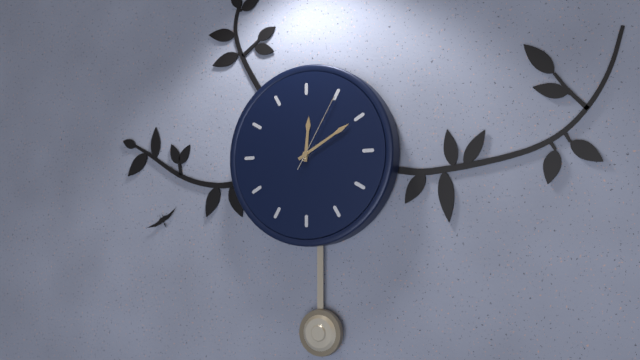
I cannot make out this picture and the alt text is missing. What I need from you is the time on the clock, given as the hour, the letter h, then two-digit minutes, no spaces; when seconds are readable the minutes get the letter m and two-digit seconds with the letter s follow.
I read 12h10m05s
